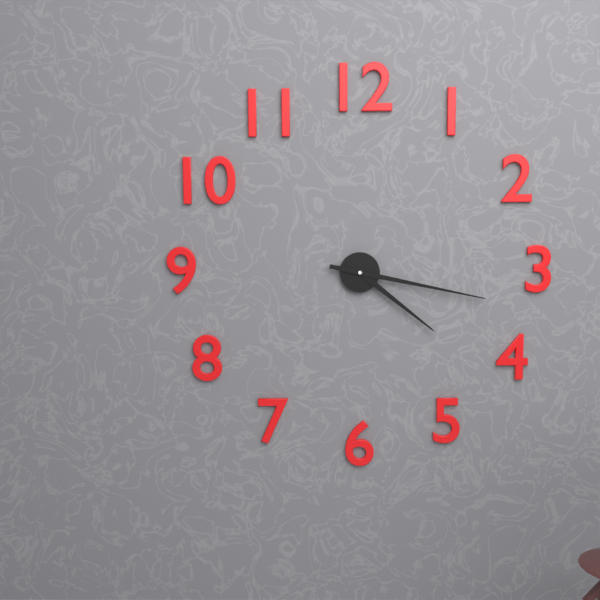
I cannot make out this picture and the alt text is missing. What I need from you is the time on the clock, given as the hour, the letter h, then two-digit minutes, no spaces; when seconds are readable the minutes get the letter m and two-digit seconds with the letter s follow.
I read 4h17
